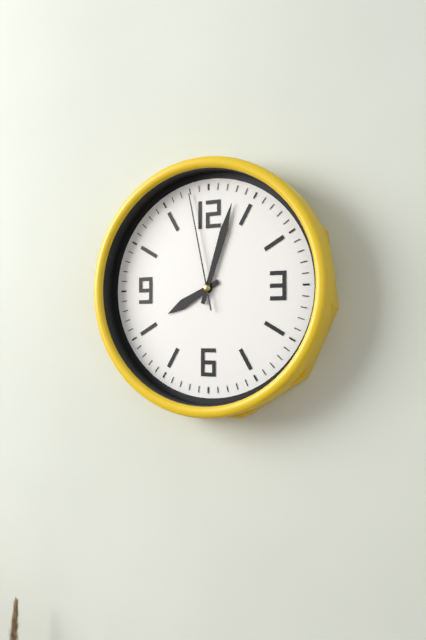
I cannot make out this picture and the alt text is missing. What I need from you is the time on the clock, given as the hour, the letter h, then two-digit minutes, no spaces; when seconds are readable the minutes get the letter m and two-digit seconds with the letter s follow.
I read 8h03m58s
